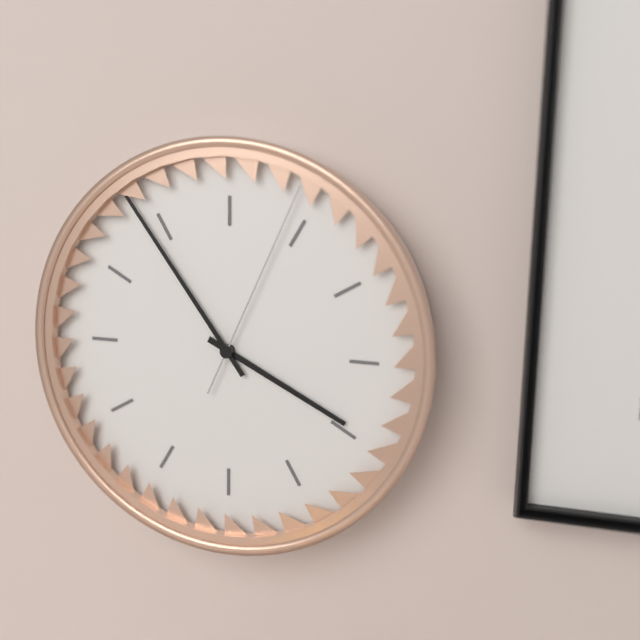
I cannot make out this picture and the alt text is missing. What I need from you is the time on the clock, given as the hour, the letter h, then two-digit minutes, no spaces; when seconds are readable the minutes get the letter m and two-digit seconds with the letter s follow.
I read 3h54m04s
